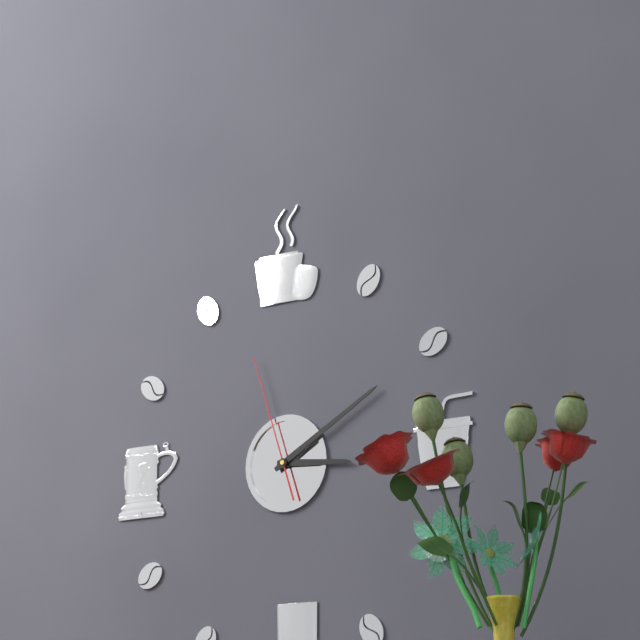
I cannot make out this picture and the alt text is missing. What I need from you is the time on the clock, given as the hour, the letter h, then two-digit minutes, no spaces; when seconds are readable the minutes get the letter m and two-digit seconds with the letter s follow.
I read 3h10m57s
